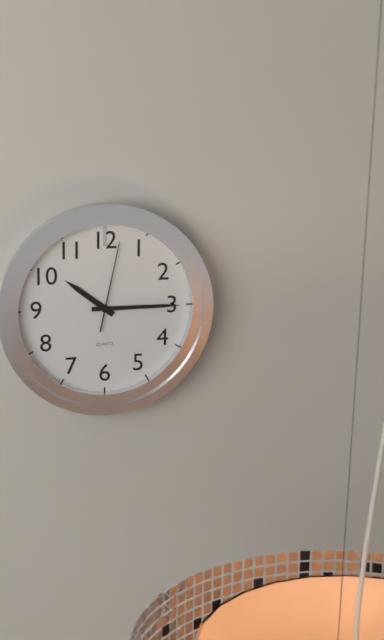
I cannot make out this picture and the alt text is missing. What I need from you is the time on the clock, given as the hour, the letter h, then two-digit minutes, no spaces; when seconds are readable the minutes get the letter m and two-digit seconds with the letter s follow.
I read 10h15m02s
